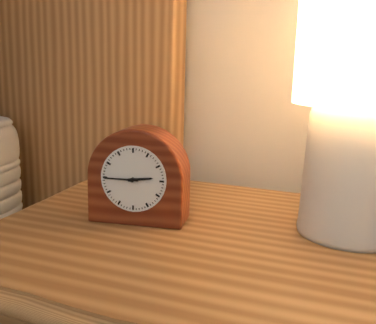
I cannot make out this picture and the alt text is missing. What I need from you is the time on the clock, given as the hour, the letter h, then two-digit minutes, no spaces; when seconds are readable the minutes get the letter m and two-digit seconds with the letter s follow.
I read 2h45
